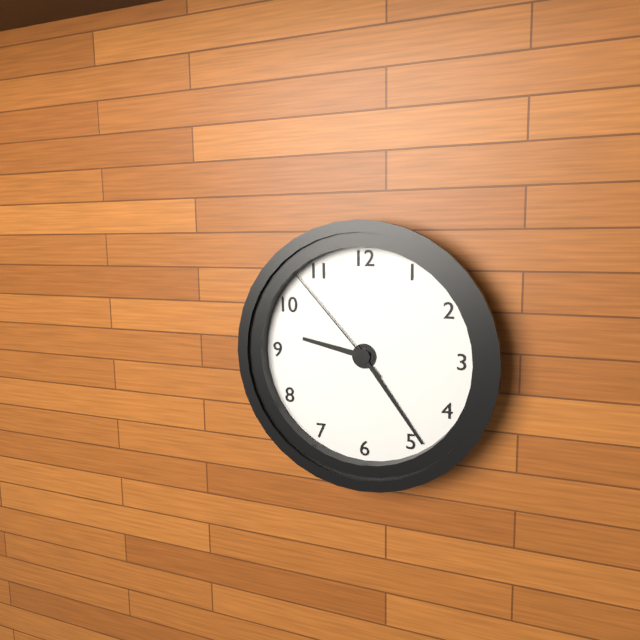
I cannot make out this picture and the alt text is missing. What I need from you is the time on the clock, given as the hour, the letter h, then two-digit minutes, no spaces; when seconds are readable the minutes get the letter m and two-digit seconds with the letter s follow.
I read 9h24m53s
